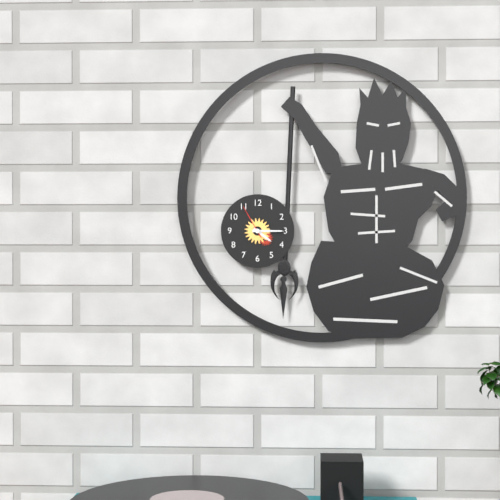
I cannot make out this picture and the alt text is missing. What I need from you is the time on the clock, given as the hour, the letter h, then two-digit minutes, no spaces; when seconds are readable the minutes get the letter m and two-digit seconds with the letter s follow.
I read 4h15
